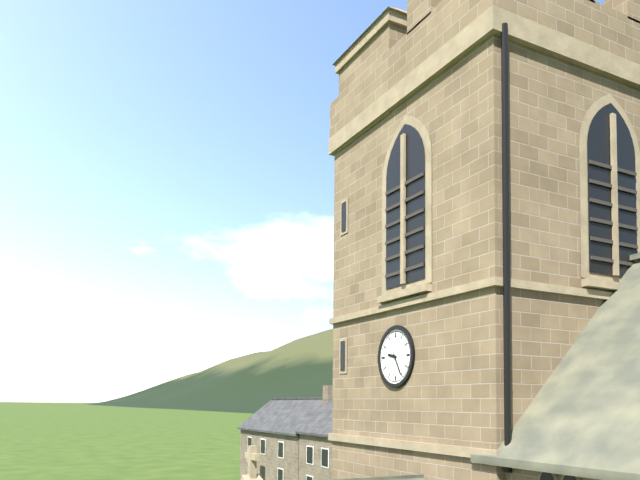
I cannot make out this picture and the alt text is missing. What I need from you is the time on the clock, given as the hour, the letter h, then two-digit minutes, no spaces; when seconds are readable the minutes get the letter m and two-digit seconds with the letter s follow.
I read 9h25
